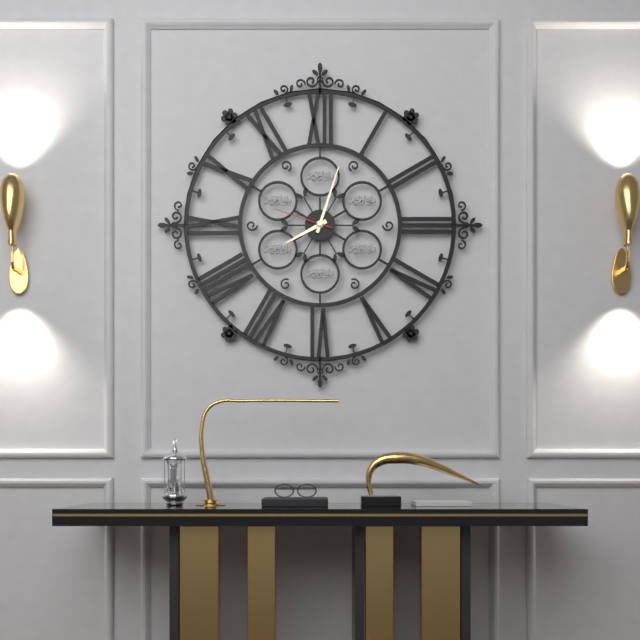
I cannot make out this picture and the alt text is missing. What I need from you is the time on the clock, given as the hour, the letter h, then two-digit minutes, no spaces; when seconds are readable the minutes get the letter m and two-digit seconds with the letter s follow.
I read 8h03m48s
